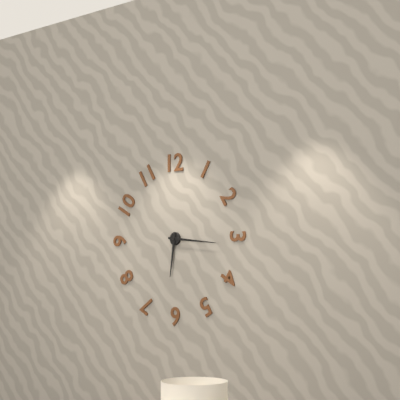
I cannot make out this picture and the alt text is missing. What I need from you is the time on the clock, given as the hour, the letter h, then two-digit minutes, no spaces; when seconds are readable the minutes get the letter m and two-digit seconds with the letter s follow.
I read 6h16
